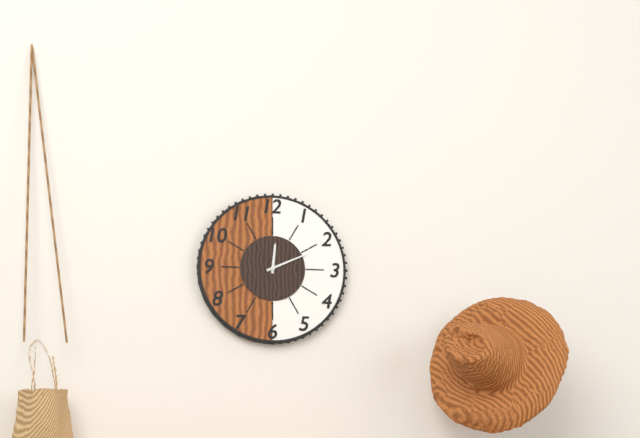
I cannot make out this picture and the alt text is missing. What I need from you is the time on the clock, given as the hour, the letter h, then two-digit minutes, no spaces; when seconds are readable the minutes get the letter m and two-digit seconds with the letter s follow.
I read 12h11
